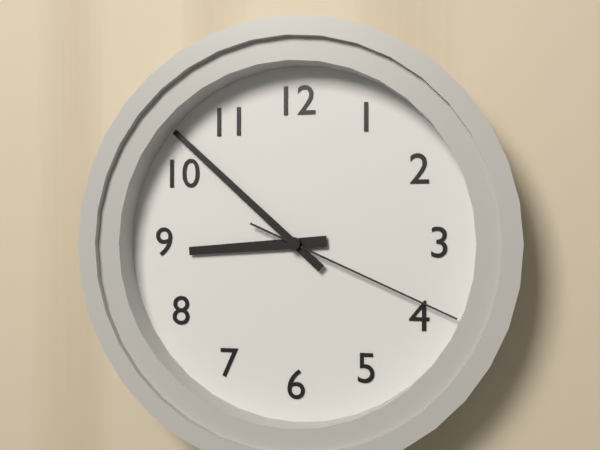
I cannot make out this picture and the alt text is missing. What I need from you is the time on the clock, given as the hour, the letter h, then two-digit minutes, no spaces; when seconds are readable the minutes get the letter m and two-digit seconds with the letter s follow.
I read 8h52m19s
